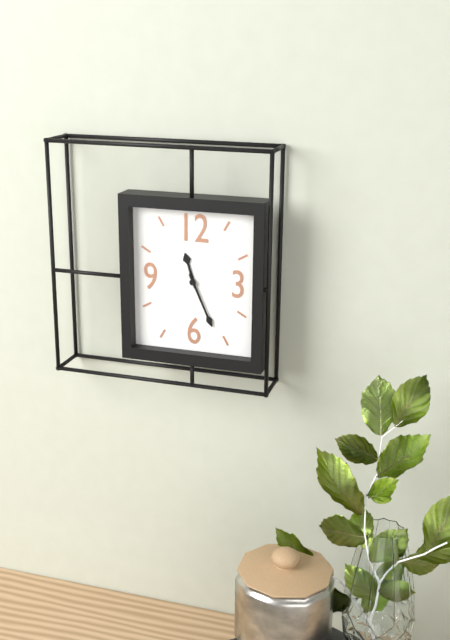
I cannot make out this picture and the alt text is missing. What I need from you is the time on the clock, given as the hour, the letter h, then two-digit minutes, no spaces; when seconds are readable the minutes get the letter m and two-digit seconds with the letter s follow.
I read 11h26
